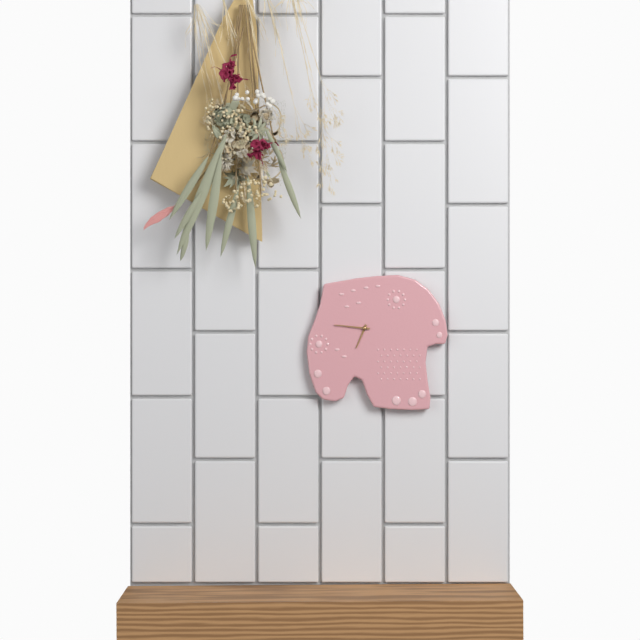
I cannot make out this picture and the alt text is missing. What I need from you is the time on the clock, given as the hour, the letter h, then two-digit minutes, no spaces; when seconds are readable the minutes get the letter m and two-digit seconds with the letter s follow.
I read 6h46
